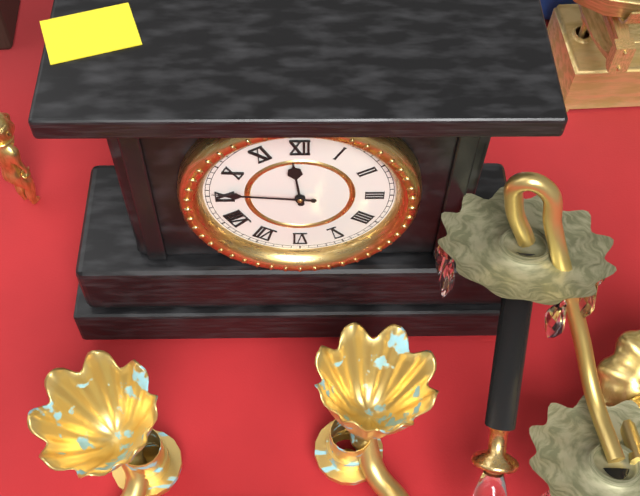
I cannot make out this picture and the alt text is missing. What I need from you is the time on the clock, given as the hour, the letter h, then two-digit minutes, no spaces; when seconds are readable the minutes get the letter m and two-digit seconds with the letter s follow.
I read 11h46
